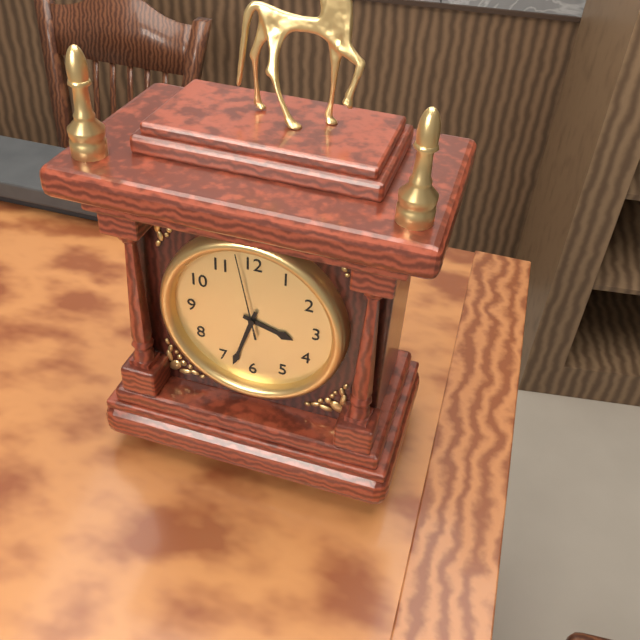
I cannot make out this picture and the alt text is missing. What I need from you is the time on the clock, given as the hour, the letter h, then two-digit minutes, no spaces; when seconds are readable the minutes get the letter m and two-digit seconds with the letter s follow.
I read 3h33m58s
